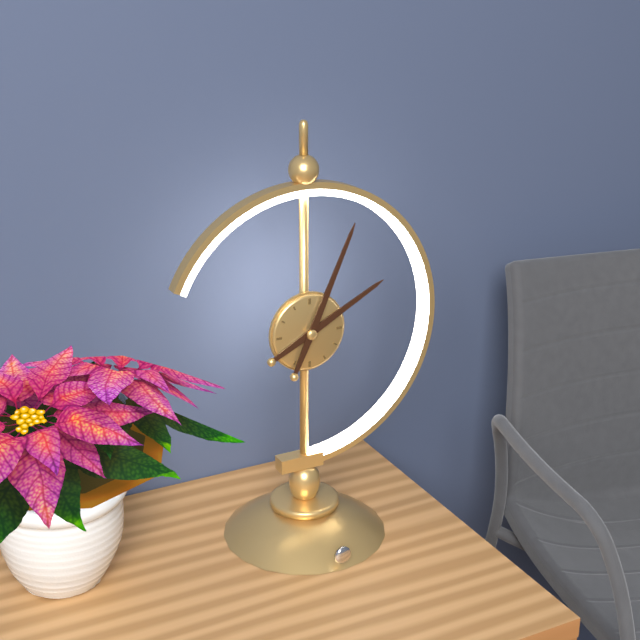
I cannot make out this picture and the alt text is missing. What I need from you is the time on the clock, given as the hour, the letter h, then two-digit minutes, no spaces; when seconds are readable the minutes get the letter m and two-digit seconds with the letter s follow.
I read 2h04
